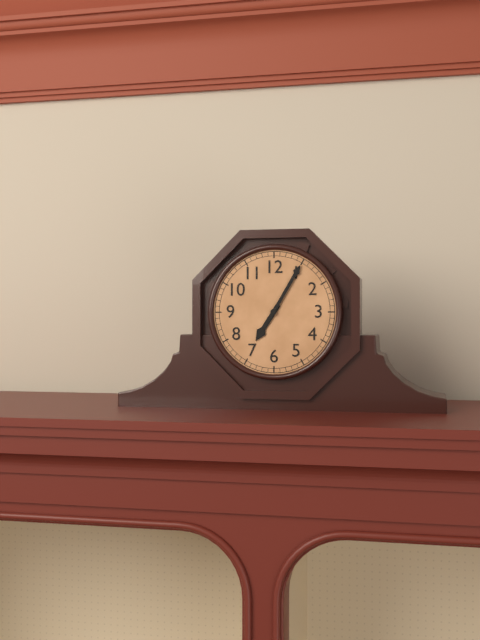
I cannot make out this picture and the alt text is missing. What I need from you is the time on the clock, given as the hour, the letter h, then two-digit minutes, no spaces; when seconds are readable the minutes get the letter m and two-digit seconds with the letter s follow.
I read 7h05
